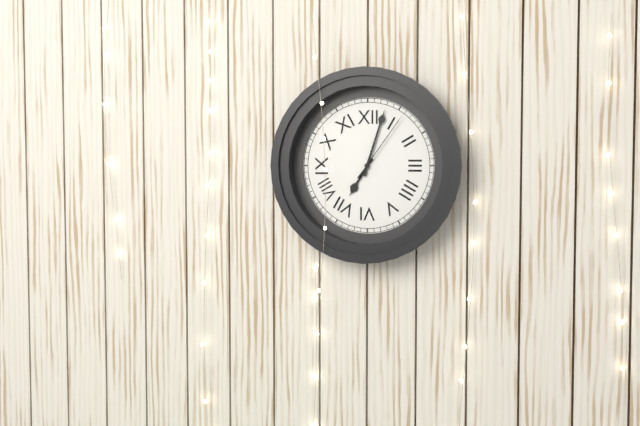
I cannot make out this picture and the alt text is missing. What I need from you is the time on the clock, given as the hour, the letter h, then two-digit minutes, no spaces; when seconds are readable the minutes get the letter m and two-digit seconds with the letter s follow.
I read 7h03m06s
